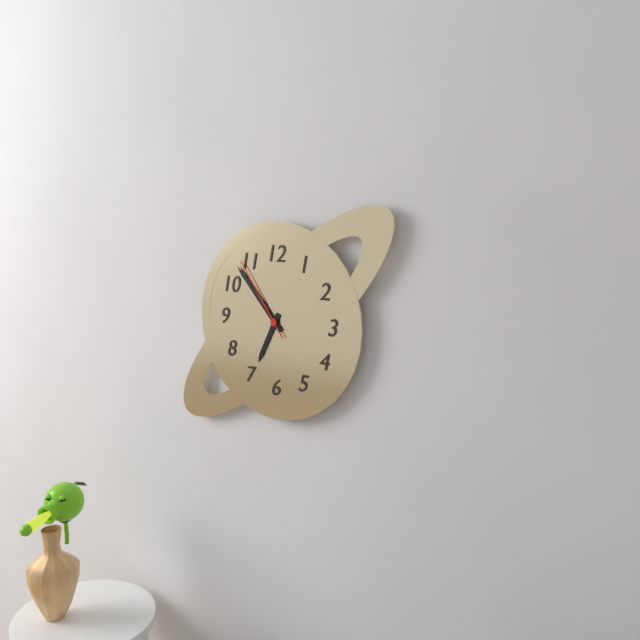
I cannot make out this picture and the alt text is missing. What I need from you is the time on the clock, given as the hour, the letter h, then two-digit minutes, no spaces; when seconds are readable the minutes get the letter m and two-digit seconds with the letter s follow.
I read 6h53m54s
